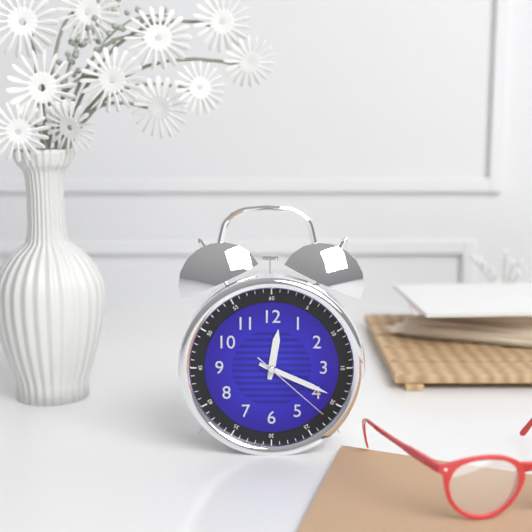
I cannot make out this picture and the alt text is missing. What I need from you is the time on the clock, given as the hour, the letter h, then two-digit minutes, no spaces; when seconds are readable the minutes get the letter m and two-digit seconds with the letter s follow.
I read 12h19m22s
